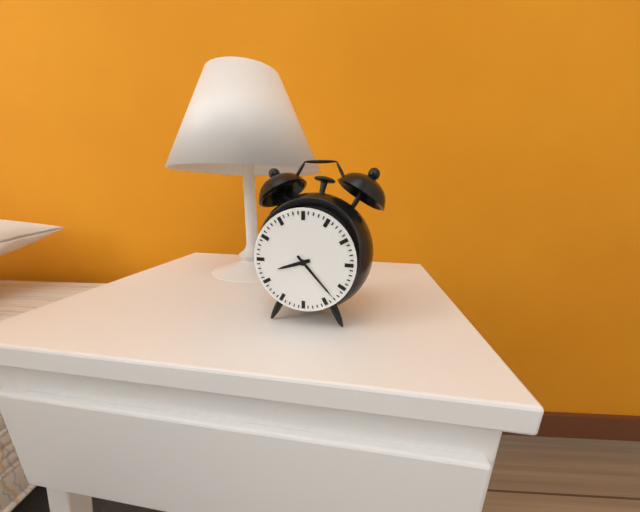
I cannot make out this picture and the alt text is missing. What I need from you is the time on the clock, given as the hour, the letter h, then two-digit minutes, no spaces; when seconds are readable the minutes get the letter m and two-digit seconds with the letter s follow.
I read 8h23
